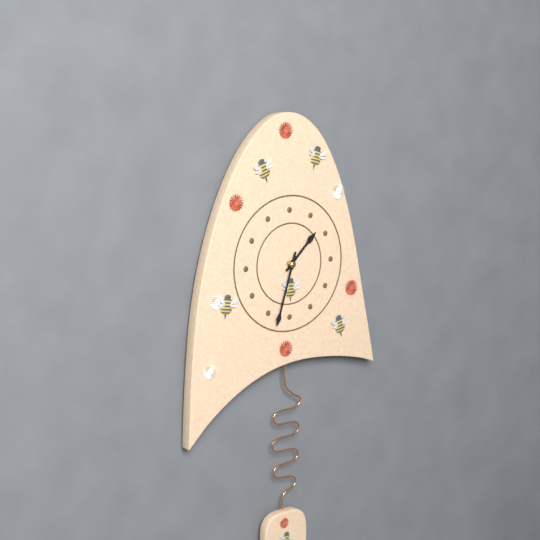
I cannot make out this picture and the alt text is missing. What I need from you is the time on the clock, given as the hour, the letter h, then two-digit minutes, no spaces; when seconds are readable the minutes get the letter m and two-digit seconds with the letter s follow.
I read 1h33
